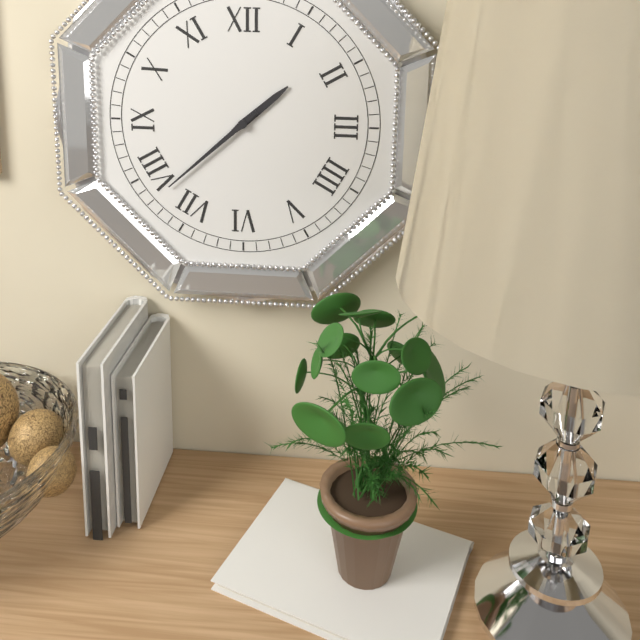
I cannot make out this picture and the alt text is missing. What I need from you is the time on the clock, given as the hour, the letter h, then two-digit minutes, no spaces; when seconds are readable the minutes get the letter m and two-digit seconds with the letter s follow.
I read 1h38
